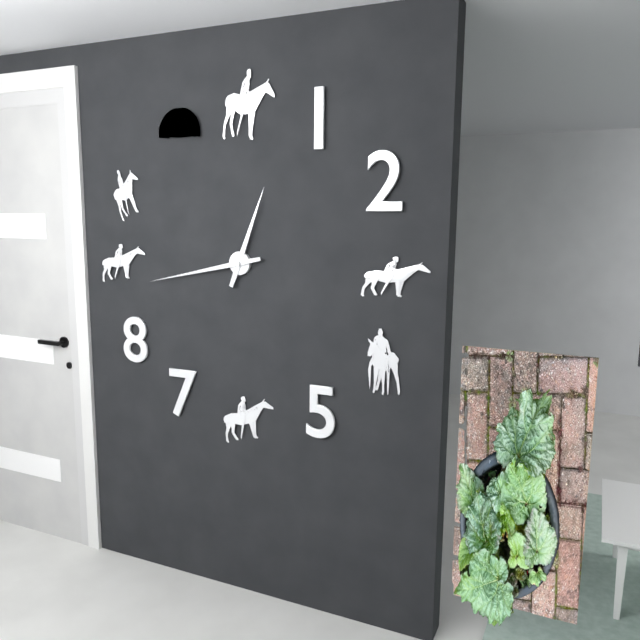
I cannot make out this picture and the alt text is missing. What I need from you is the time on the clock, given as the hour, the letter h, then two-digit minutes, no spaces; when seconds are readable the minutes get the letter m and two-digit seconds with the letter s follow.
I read 12h43
